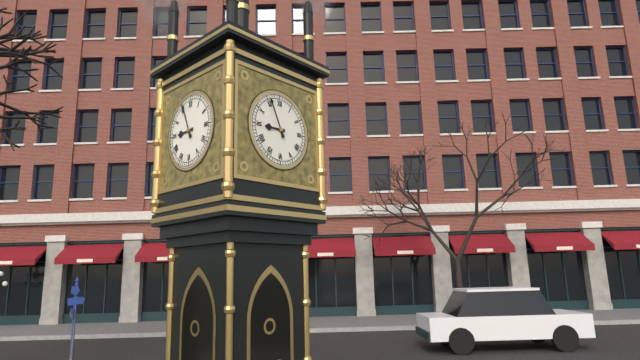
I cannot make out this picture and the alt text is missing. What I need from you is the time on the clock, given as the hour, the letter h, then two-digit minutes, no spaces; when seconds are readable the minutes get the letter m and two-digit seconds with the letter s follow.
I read 8h56
